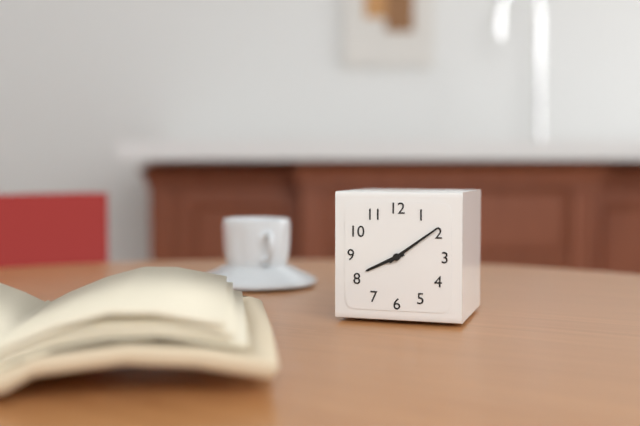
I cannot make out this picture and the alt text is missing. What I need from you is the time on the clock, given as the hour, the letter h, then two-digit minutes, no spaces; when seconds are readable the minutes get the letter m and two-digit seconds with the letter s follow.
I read 8h09
